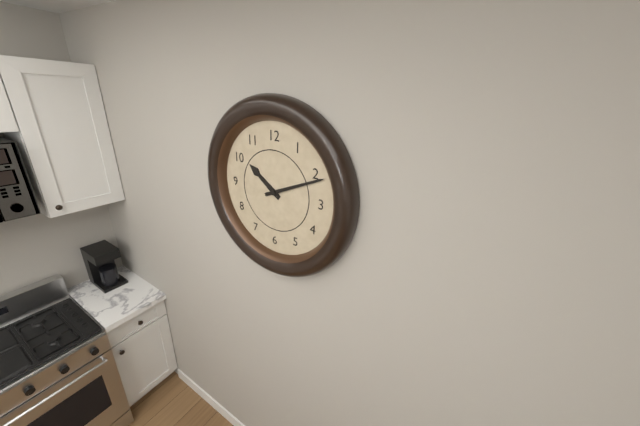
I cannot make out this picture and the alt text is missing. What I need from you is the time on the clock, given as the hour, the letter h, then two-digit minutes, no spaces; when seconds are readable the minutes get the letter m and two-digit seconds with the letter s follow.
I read 10h11
